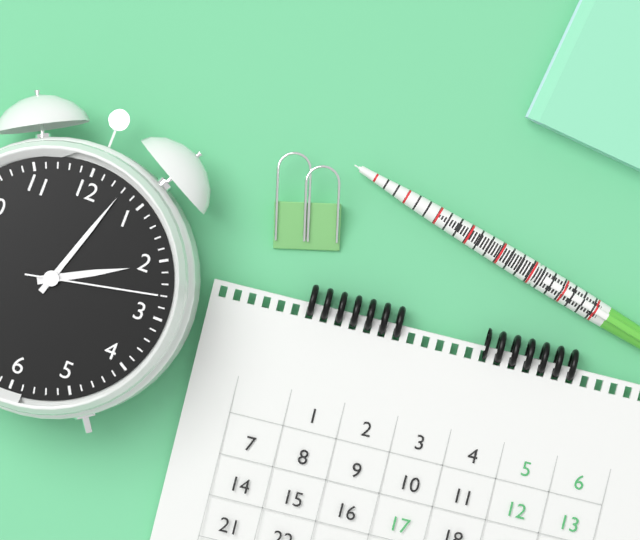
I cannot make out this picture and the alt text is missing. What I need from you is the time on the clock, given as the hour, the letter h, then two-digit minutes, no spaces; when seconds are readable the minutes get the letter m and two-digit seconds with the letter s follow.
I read 2h03m13s
